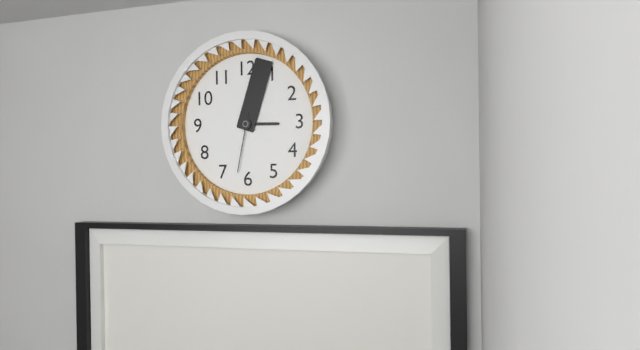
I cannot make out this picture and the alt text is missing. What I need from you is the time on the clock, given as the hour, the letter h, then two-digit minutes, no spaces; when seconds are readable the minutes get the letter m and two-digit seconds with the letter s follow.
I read 3h03m32s
